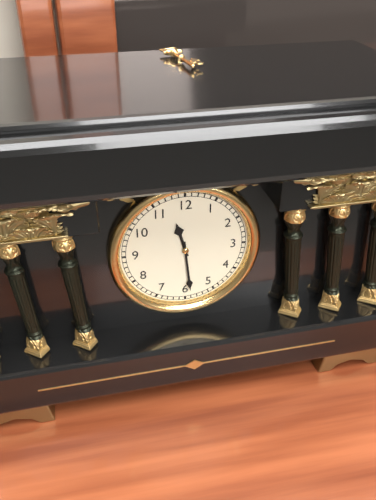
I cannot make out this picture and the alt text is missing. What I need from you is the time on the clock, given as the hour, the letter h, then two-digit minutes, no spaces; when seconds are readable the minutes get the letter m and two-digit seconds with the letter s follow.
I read 11h29
